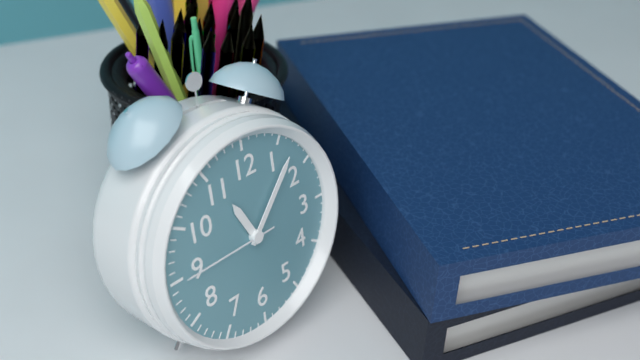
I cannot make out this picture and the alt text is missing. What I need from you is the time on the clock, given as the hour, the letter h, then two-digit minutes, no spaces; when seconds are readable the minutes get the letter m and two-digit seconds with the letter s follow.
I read 11h07m45s
